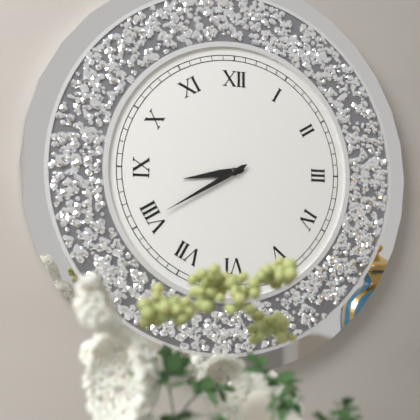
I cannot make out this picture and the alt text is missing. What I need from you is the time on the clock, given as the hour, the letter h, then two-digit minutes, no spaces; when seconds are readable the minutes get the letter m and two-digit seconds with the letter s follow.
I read 8h40
